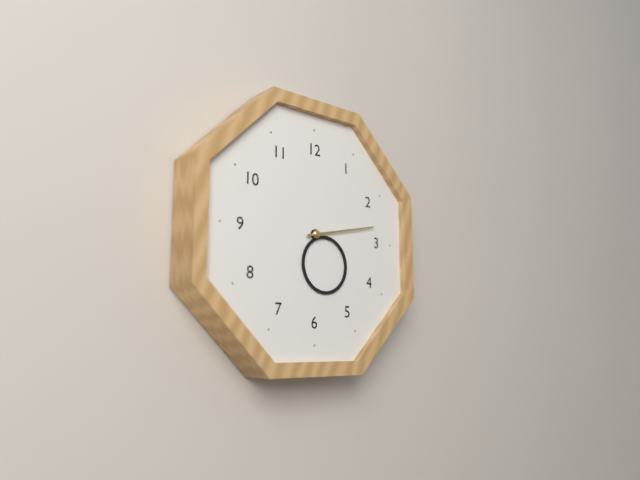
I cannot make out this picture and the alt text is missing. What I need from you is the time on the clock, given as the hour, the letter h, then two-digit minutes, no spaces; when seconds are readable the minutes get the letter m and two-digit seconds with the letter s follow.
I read 5h13
